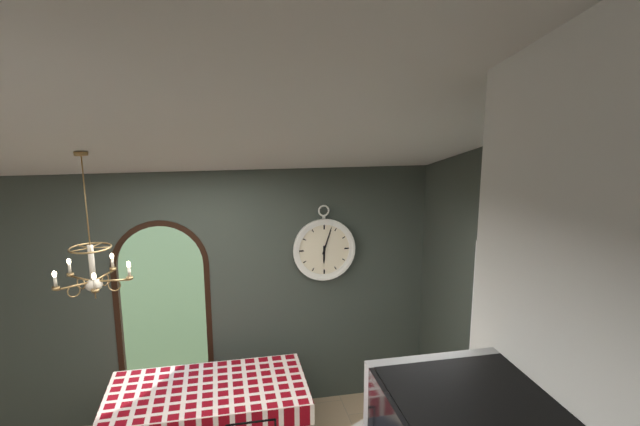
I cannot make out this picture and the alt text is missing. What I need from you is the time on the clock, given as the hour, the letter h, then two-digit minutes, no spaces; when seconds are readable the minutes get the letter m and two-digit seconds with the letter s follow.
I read 6h03
